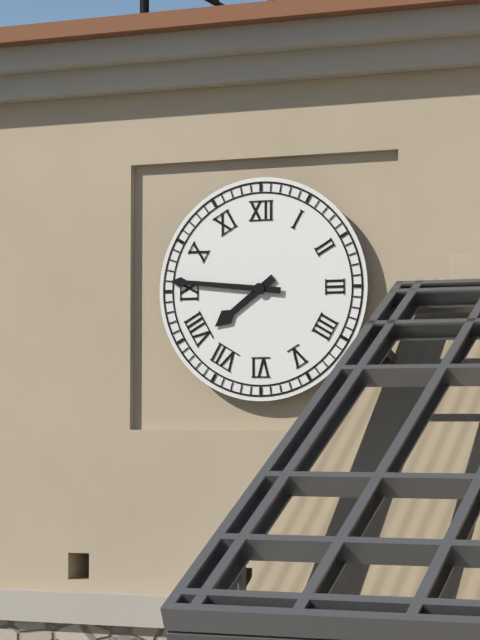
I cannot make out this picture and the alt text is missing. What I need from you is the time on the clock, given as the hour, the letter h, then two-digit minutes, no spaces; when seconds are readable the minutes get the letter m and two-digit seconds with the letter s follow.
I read 7h46
